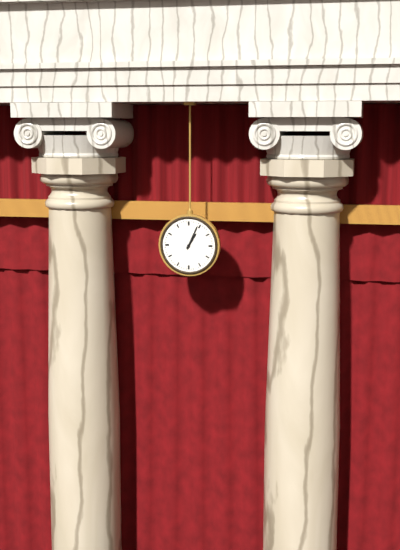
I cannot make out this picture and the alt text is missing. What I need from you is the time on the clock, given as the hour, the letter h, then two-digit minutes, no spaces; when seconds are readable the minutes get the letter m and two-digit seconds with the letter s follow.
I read 1h04
